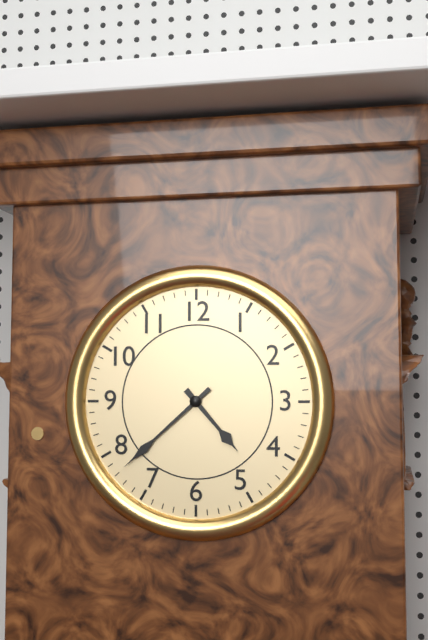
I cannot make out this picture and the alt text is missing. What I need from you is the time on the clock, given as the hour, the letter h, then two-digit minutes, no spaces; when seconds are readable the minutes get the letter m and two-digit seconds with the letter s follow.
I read 4h38
